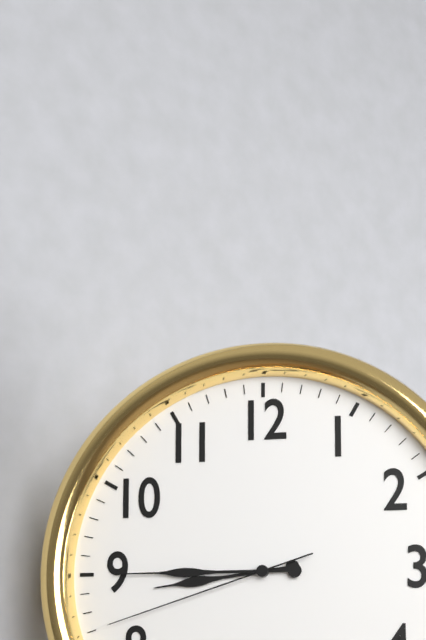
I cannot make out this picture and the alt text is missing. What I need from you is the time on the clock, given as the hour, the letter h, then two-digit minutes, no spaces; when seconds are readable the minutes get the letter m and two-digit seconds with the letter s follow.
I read 8h45m42s
